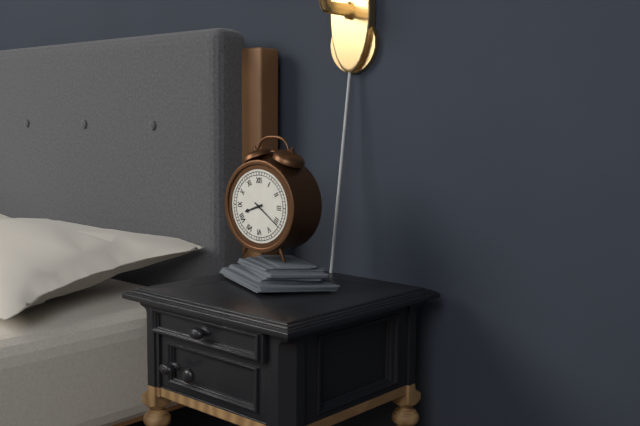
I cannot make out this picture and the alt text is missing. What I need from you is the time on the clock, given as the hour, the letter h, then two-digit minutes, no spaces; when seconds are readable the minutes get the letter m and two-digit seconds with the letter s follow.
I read 8h21
